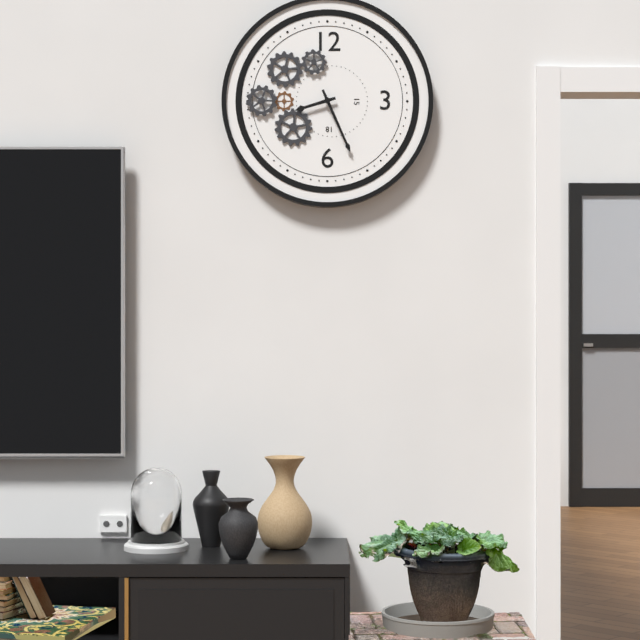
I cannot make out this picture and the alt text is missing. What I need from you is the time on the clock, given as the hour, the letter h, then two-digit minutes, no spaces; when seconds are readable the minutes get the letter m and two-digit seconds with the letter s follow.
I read 8h26
